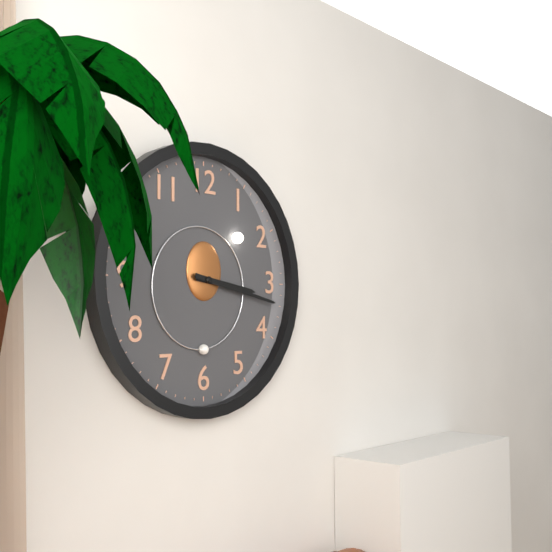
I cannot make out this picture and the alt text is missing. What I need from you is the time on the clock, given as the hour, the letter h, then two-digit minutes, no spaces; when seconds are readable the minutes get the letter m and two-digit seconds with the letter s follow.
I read 3h17
